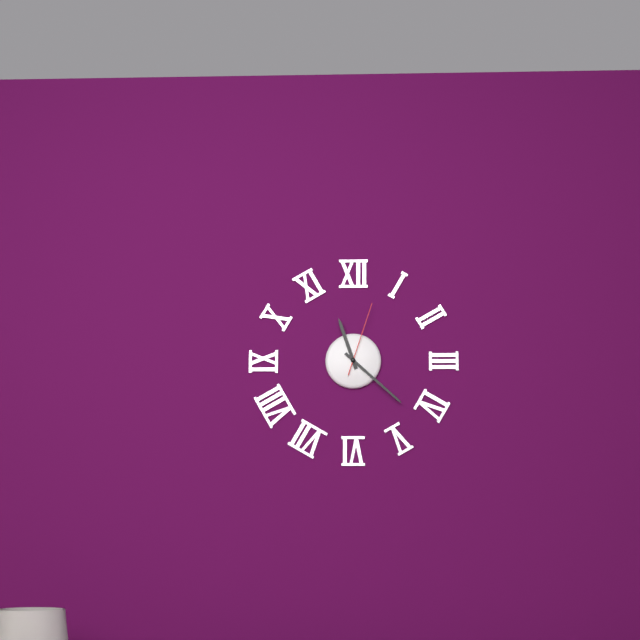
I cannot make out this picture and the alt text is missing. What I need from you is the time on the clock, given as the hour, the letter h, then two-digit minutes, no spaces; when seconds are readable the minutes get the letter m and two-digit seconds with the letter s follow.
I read 11h22m03s
